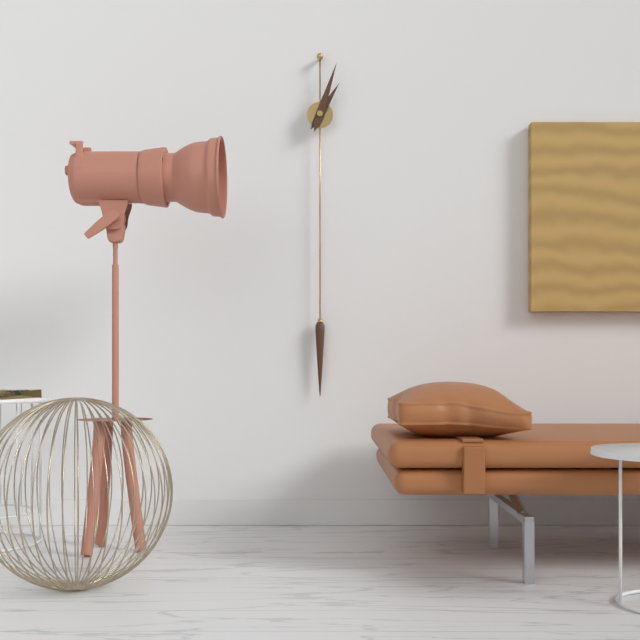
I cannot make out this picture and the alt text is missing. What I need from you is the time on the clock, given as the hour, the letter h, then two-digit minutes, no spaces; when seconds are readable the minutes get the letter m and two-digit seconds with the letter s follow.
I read 1h03
